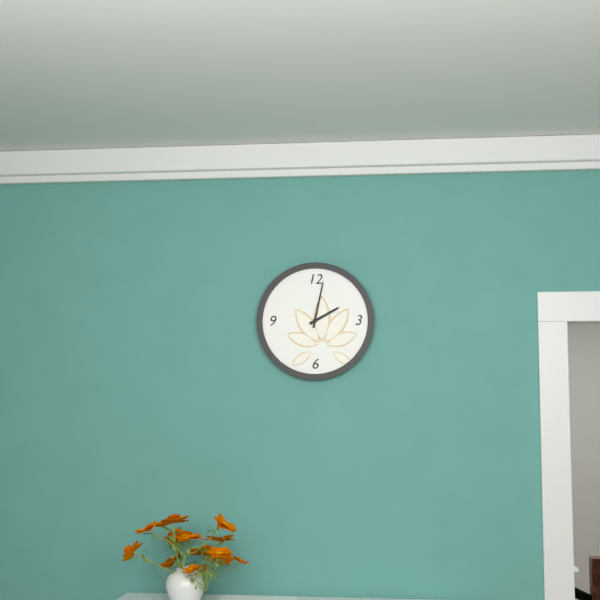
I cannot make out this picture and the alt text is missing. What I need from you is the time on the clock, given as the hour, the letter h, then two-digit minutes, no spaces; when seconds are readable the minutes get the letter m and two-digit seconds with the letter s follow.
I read 2h02
